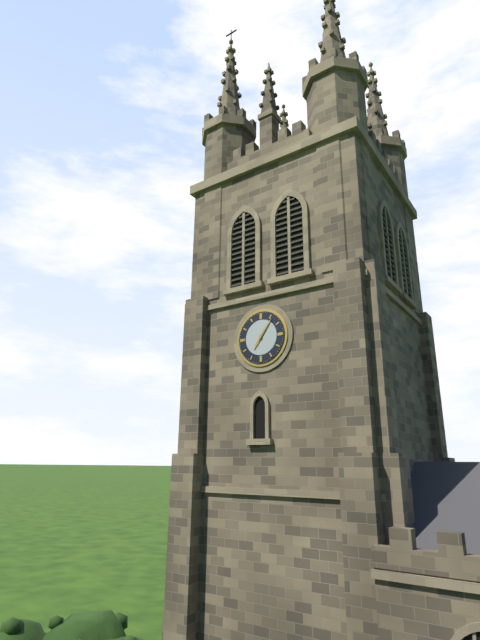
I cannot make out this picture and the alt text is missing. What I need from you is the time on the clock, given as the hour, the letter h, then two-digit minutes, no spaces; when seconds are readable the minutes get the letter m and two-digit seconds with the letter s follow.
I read 7h06
